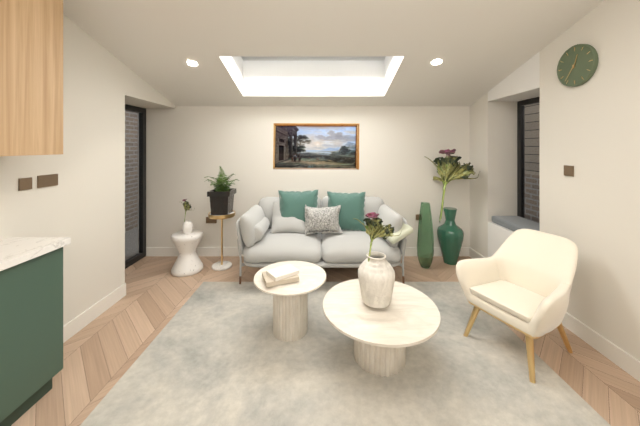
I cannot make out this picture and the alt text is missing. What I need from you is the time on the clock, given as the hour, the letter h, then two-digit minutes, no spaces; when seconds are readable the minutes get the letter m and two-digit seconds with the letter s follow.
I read 12h36
